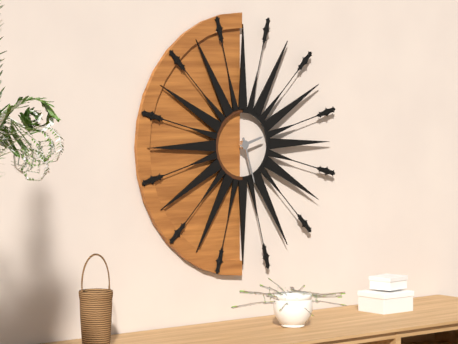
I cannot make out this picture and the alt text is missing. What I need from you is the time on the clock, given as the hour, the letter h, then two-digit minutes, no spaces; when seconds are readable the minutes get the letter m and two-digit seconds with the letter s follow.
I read 2h27
